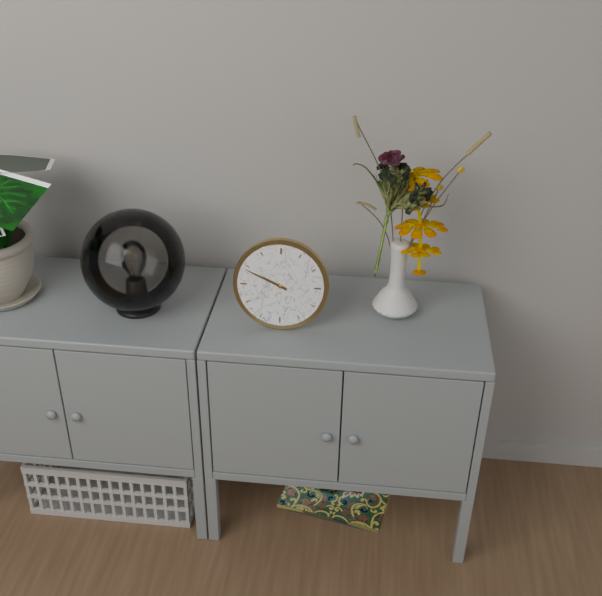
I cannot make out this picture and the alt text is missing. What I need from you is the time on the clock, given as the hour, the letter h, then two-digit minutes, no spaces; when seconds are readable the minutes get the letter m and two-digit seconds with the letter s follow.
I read 9h49
